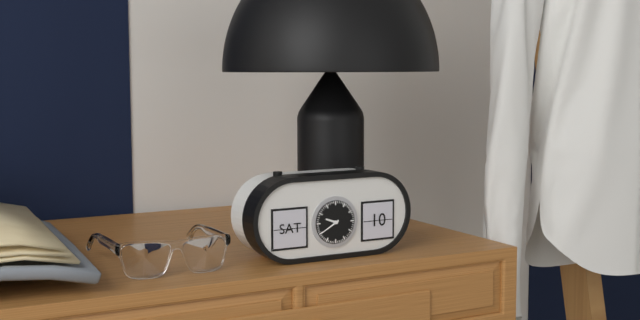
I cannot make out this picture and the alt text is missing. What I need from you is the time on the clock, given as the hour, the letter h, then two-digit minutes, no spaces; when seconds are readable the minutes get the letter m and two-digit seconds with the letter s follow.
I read 9h40
